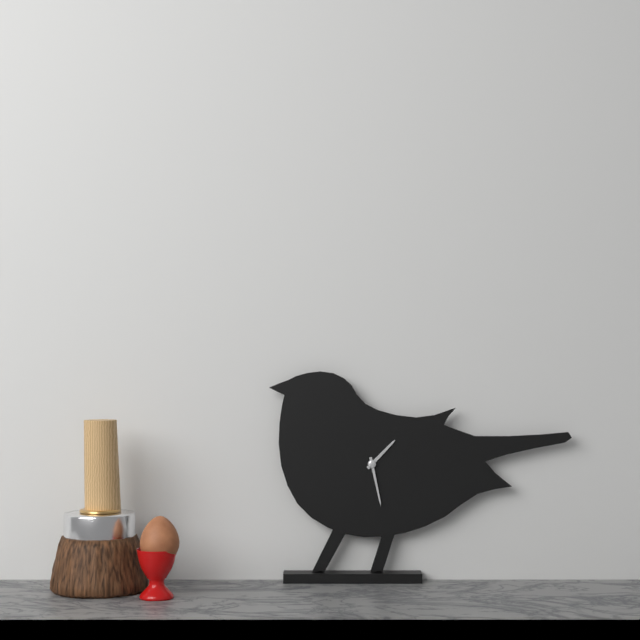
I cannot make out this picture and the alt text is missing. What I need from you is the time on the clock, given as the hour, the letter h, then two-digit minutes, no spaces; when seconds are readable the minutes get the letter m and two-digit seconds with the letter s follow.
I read 1h28
